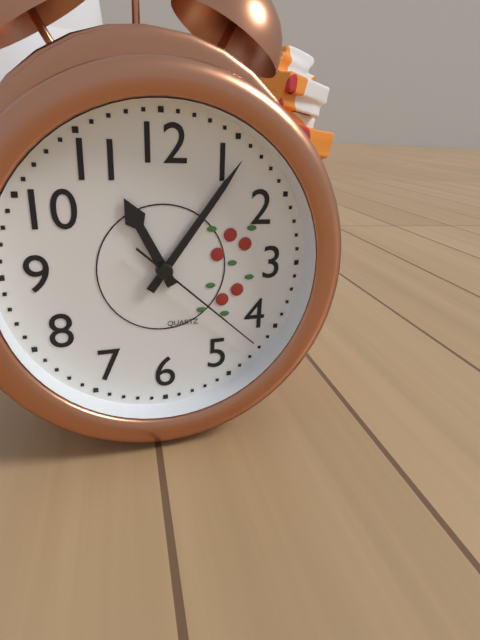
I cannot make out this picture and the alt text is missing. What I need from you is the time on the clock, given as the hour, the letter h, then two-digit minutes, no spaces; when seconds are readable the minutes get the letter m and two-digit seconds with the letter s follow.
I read 11h06m22s
